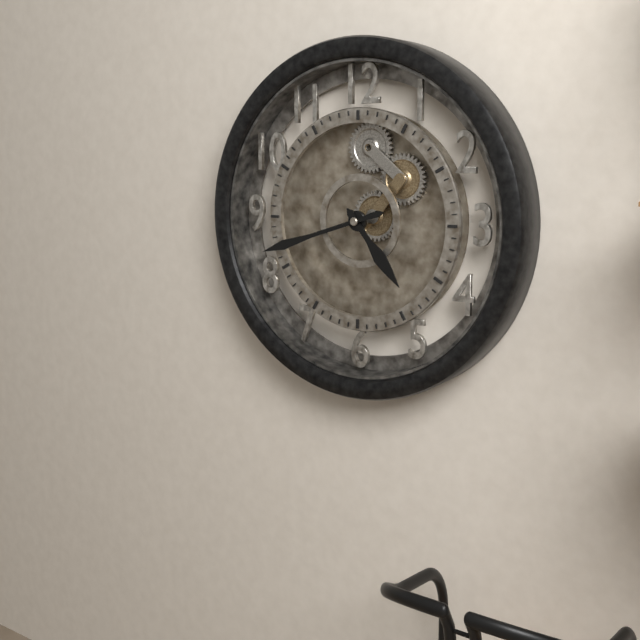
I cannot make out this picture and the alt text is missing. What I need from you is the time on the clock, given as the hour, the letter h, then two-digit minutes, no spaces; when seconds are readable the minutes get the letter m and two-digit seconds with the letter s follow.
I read 4h42
